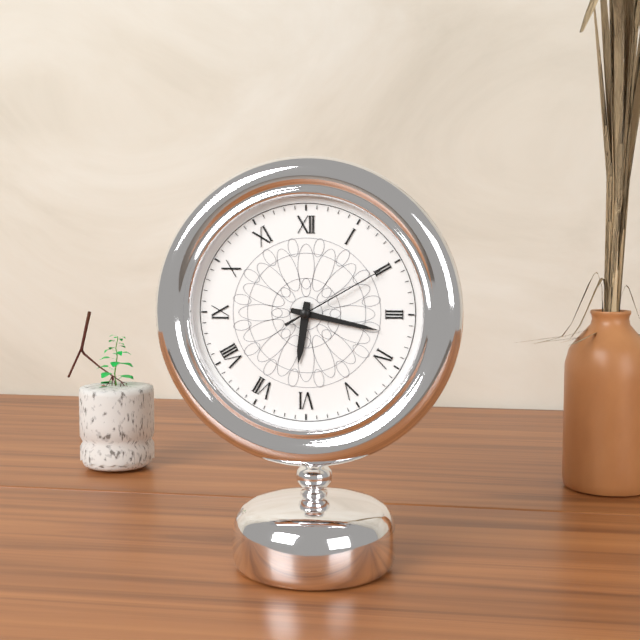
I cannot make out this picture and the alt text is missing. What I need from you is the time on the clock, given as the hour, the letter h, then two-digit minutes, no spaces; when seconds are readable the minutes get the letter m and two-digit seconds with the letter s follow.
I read 6h17m10s
